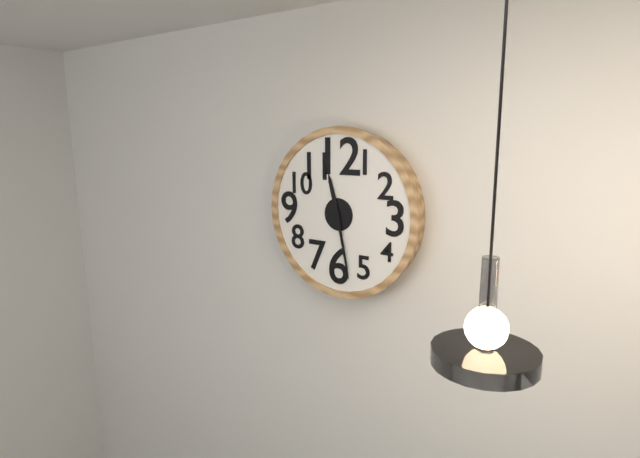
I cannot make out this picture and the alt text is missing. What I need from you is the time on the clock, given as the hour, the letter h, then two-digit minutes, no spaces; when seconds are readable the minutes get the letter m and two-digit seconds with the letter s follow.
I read 11h28
